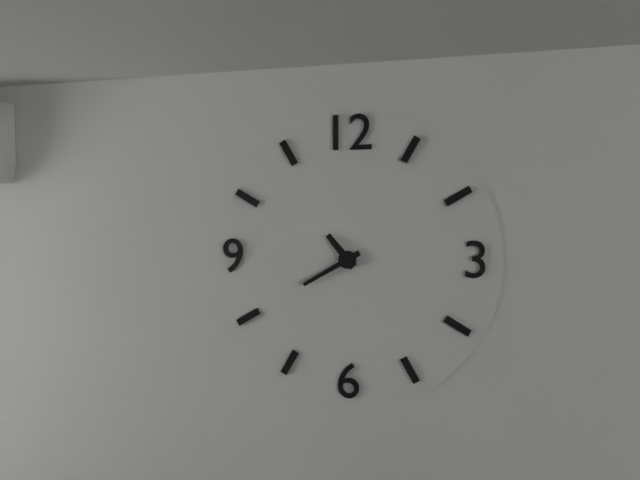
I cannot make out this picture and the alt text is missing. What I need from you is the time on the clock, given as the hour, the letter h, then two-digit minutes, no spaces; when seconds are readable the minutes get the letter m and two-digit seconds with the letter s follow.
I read 10h40
